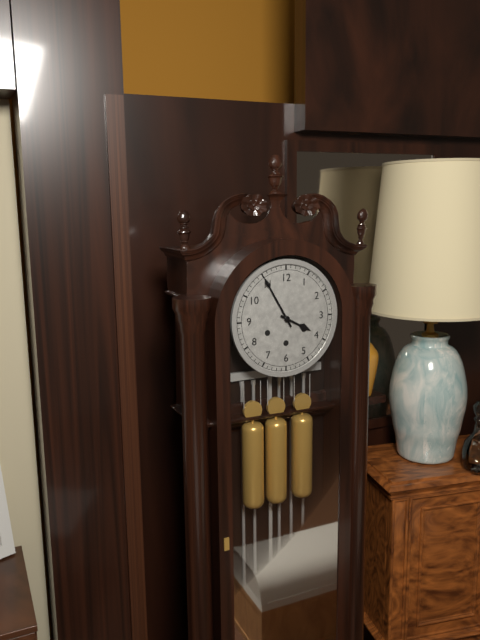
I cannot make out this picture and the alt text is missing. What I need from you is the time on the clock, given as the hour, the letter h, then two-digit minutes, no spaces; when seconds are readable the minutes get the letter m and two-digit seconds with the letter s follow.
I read 3h55
